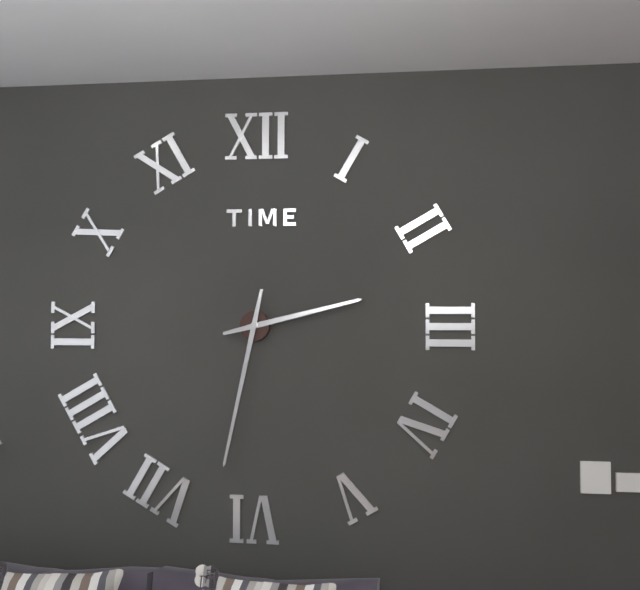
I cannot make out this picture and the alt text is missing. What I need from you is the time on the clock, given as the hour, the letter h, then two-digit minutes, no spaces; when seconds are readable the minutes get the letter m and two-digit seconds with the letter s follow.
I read 2h32
